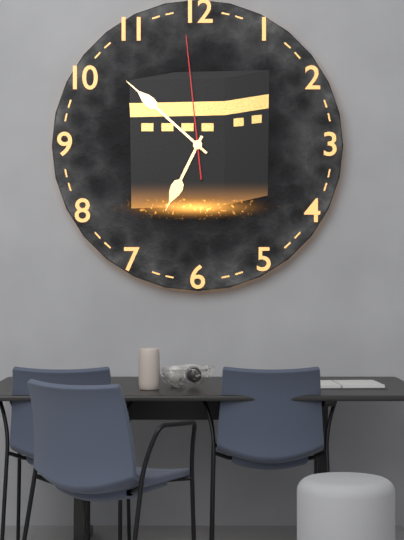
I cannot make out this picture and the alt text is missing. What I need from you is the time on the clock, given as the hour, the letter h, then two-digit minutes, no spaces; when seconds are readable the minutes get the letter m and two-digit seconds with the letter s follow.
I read 6h52m59s
